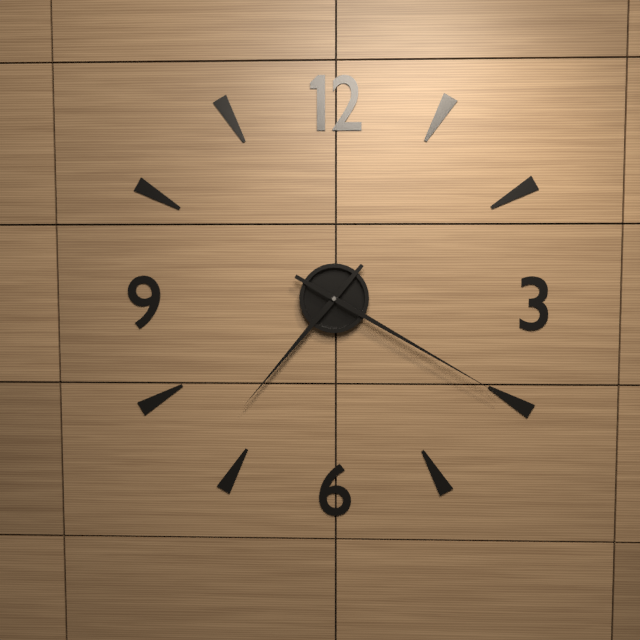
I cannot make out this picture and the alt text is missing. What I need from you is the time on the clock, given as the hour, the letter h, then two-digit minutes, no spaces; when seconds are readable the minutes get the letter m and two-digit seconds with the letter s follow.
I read 7h20
